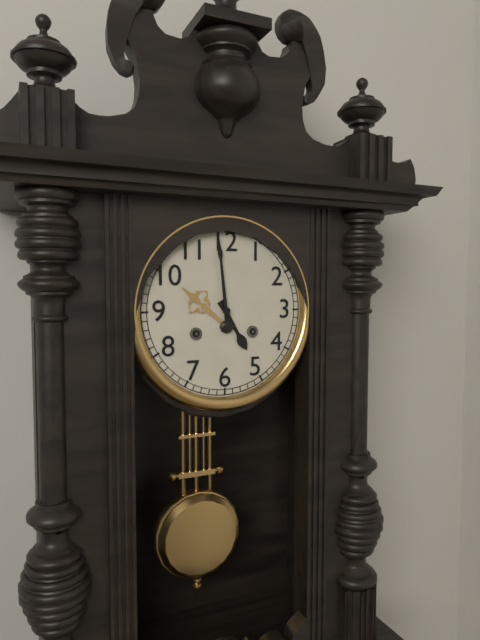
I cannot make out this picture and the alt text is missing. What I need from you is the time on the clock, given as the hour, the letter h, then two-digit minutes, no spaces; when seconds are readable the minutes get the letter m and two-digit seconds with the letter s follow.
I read 4h59
